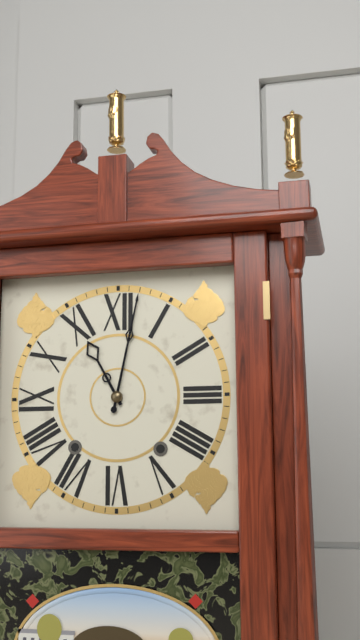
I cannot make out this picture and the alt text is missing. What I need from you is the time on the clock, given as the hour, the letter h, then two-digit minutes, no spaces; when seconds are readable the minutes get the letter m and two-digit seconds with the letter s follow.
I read 11h02
